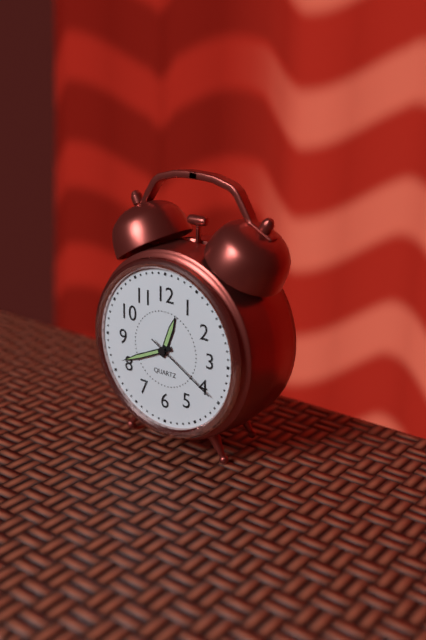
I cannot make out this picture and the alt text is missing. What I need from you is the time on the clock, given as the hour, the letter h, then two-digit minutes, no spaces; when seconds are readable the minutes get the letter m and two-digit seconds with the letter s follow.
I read 12h41m20s
